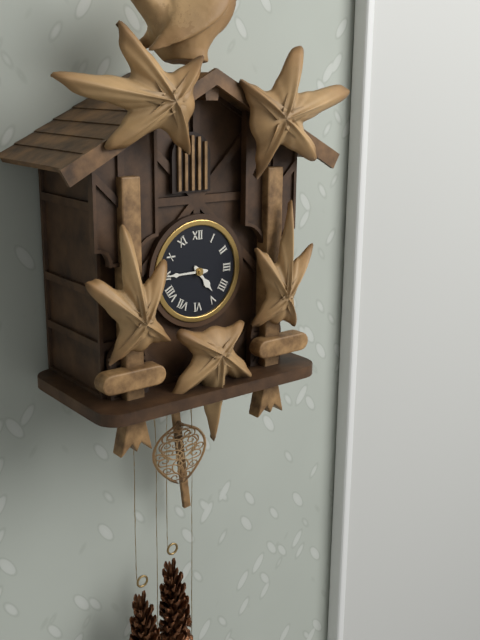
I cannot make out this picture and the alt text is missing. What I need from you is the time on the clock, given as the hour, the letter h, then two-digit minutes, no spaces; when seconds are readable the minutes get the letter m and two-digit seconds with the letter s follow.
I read 4h45
